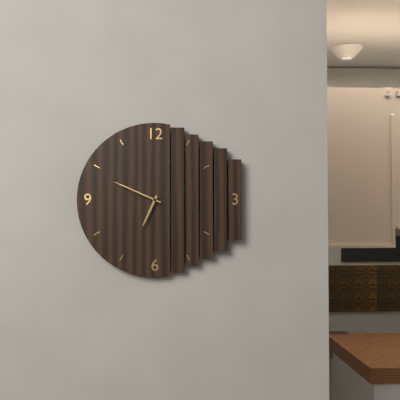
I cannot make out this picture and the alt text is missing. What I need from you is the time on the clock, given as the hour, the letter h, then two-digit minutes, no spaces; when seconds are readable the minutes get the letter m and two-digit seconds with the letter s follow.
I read 6h49
